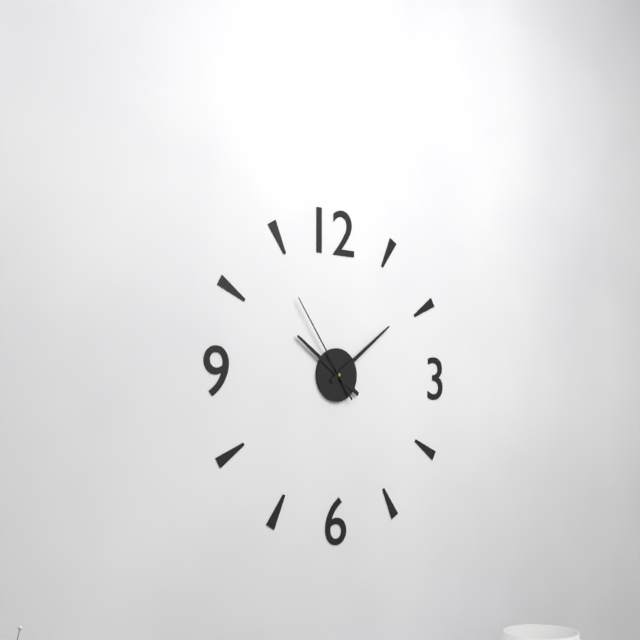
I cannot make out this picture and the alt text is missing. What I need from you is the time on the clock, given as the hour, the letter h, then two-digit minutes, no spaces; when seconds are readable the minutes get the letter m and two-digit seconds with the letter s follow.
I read 10h09m54s
